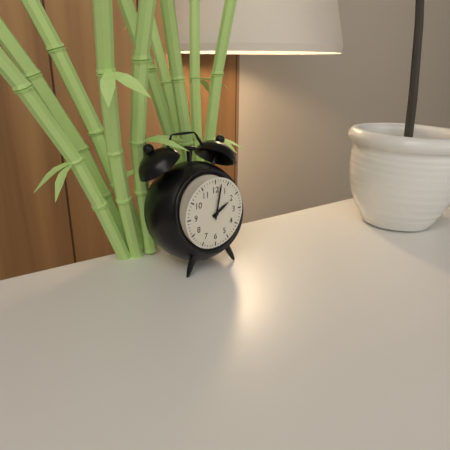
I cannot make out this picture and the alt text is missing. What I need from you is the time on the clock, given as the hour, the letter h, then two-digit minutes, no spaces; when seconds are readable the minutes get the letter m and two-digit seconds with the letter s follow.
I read 2h02
